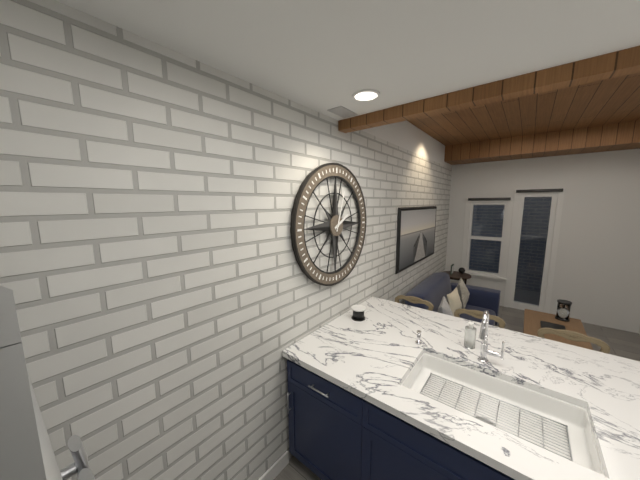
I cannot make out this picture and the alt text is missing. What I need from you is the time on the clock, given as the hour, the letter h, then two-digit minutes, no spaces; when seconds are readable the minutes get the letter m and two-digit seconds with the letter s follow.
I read 2h03
